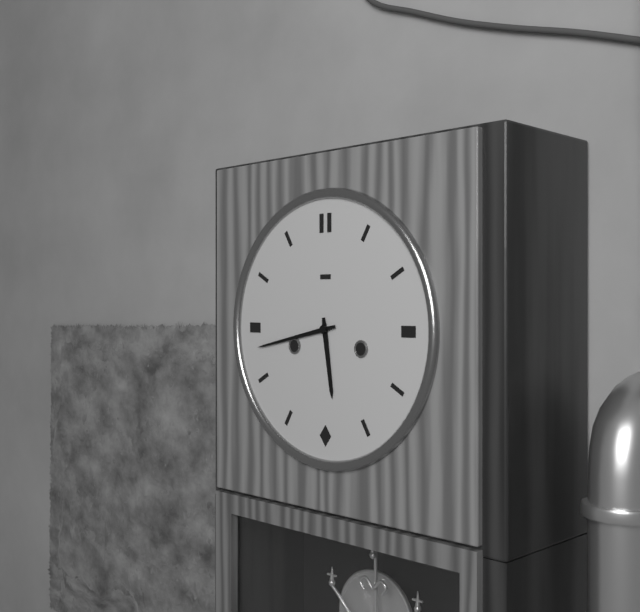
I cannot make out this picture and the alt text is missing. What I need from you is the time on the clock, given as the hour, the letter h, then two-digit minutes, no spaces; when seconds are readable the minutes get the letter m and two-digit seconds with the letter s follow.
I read 5h43
